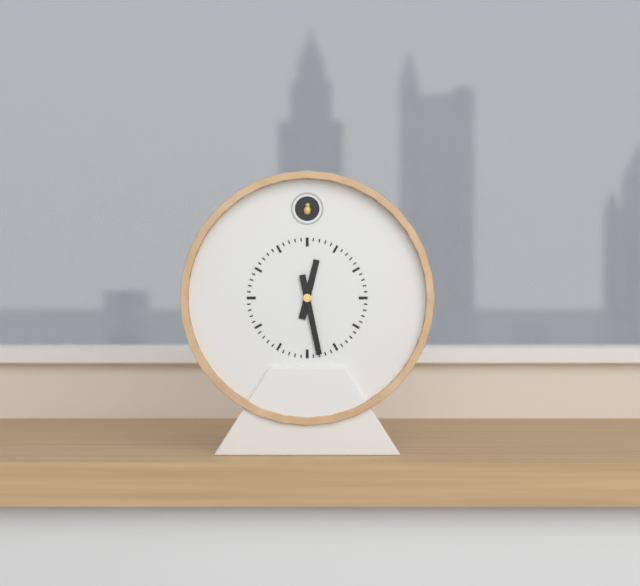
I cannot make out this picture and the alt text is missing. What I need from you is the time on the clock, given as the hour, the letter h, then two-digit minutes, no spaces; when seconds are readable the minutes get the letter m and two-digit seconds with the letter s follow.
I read 12h28
